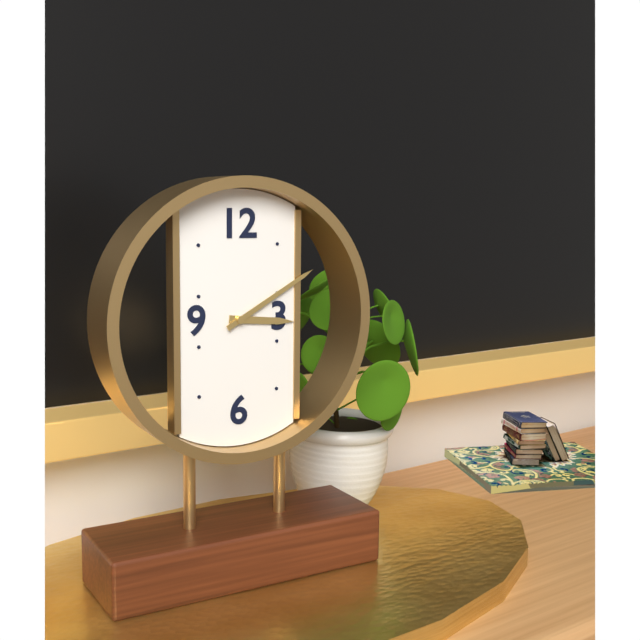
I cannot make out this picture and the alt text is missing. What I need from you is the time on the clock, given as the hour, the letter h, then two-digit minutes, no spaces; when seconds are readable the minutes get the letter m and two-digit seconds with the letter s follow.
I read 3h10
